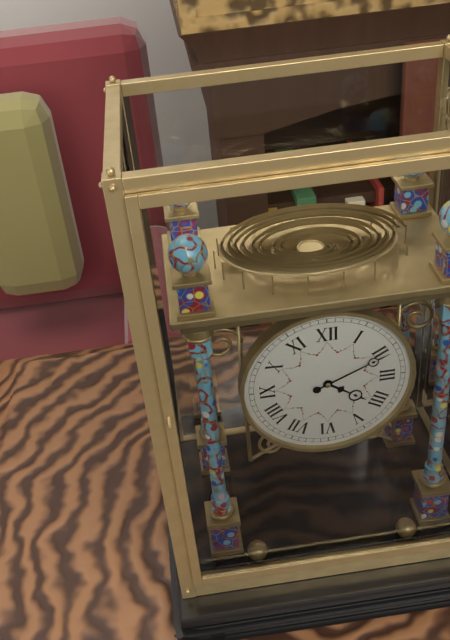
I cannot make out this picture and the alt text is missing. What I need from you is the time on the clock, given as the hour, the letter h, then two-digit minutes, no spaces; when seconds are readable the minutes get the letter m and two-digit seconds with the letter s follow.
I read 4h11
